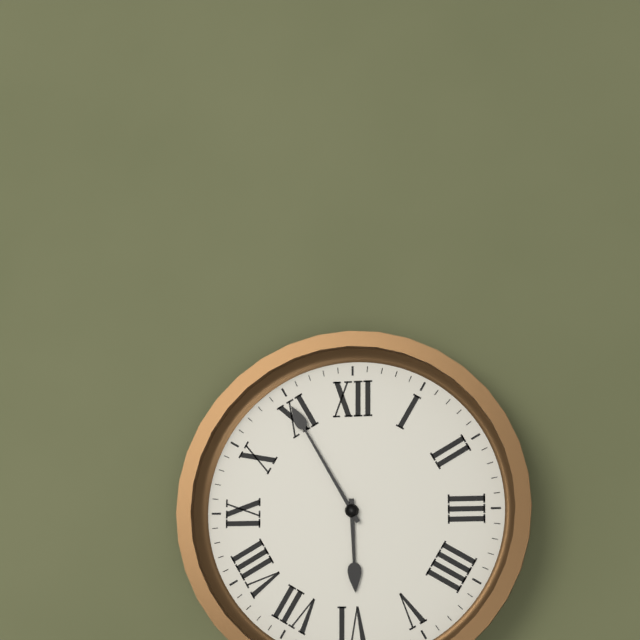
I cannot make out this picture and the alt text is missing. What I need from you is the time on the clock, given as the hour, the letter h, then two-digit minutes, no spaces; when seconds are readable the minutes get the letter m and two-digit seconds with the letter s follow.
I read 5h55
